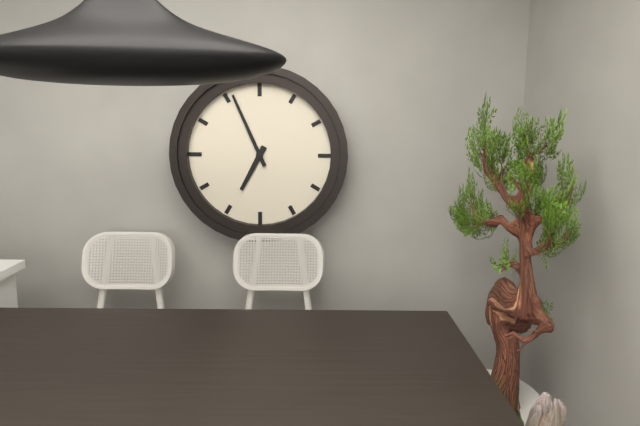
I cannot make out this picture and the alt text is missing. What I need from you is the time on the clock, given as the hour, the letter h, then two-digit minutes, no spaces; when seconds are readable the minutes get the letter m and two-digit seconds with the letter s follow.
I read 6h56
